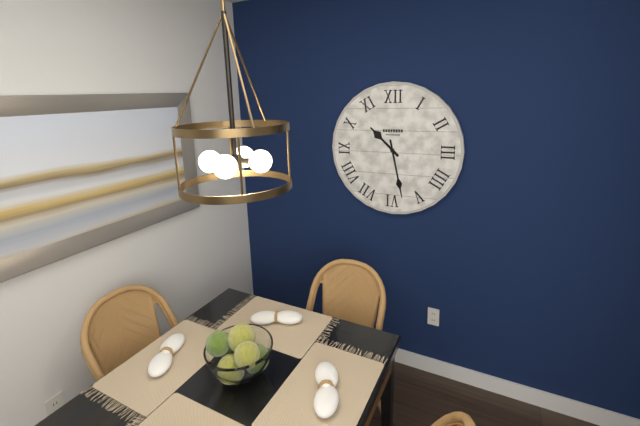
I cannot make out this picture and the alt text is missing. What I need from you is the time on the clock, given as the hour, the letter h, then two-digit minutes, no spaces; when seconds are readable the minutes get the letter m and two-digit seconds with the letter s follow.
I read 10h28
